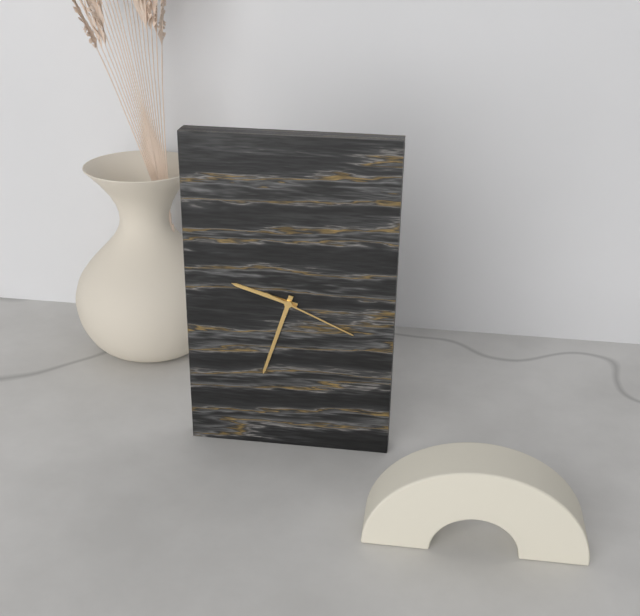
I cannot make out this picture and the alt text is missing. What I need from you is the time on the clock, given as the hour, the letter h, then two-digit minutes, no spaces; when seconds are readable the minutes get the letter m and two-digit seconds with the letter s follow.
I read 9h33m19s
